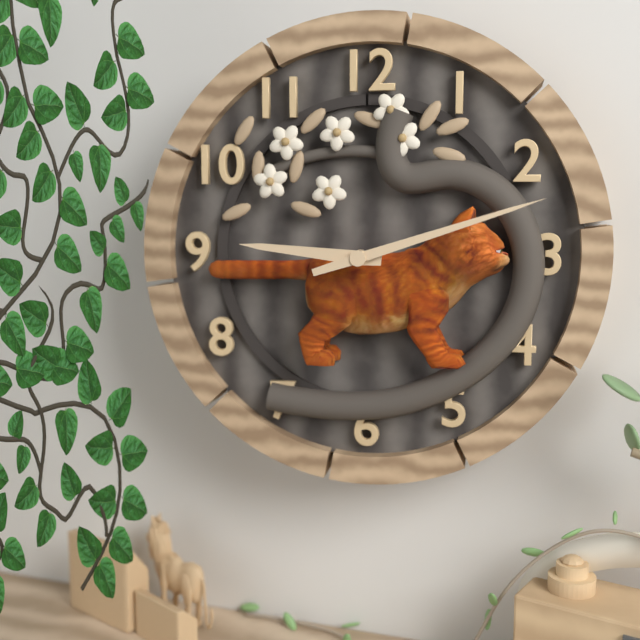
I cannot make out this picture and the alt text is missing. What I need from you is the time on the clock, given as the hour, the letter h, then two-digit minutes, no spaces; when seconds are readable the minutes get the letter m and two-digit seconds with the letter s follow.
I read 9h12
